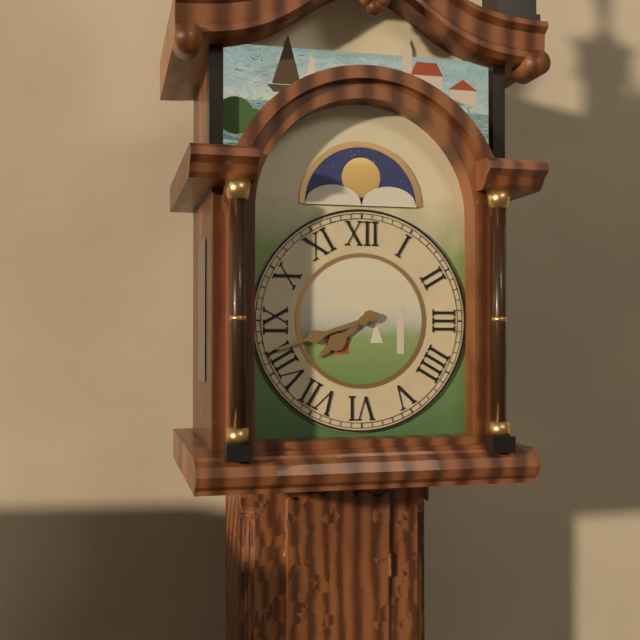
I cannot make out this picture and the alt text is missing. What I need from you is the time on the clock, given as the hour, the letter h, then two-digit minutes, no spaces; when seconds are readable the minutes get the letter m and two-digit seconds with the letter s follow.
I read 7h42
